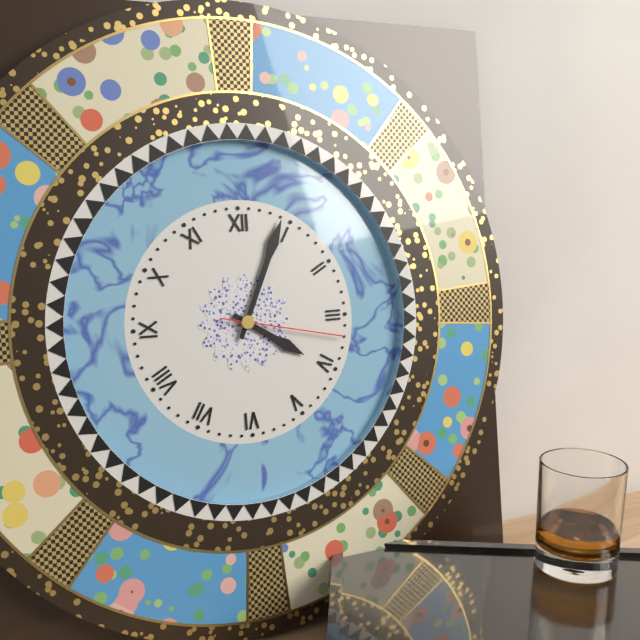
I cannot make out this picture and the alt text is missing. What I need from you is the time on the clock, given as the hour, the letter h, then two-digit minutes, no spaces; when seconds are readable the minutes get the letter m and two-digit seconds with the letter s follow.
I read 4h04m17s
